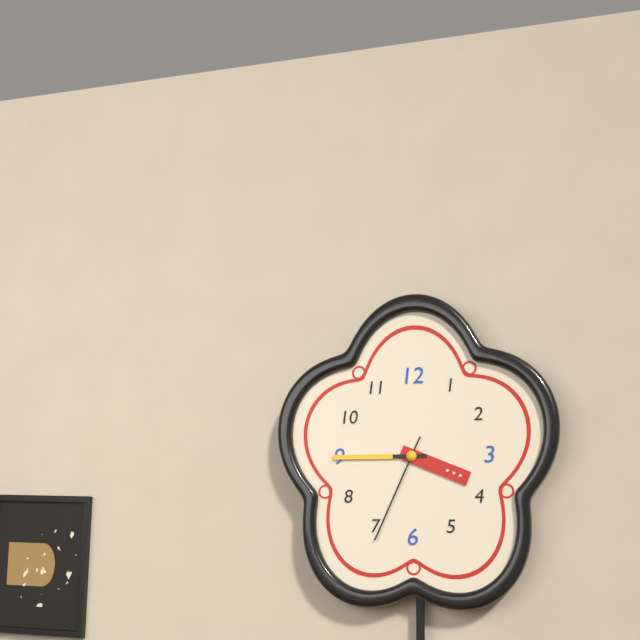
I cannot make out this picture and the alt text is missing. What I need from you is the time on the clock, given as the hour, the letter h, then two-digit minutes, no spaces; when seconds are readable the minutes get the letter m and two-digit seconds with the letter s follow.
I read 3h45m34s
